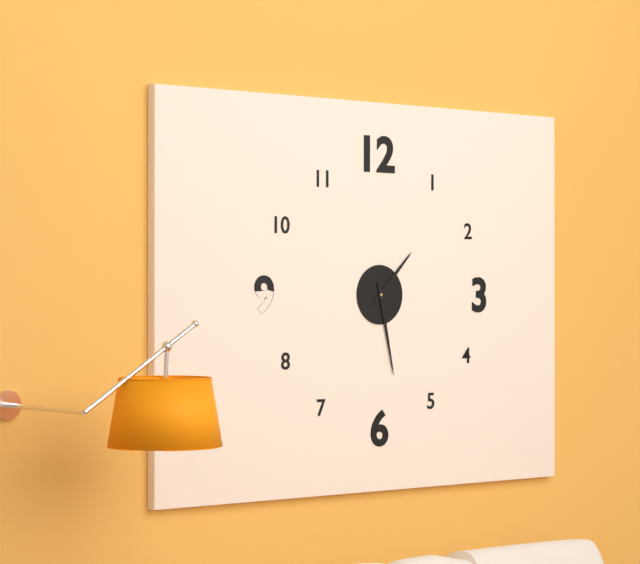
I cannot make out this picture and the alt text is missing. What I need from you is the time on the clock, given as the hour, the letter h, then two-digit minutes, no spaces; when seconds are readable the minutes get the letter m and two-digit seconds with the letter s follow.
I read 1h28
